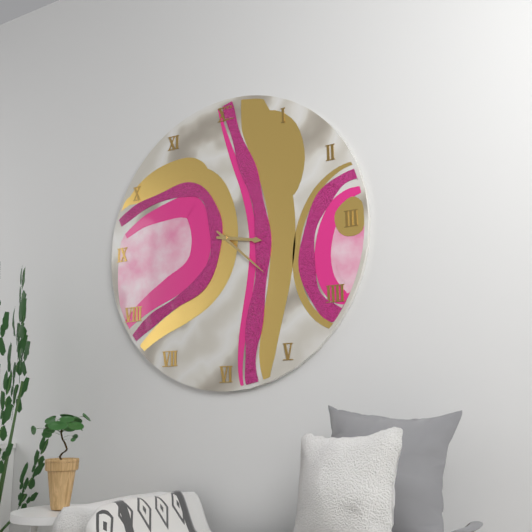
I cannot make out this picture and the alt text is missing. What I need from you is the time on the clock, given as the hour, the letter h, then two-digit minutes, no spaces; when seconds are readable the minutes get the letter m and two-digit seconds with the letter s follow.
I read 3h22
